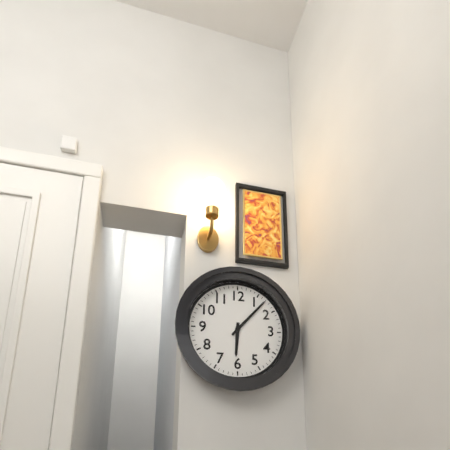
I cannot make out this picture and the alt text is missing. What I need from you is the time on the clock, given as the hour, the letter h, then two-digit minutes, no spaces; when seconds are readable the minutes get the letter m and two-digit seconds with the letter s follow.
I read 6h07
